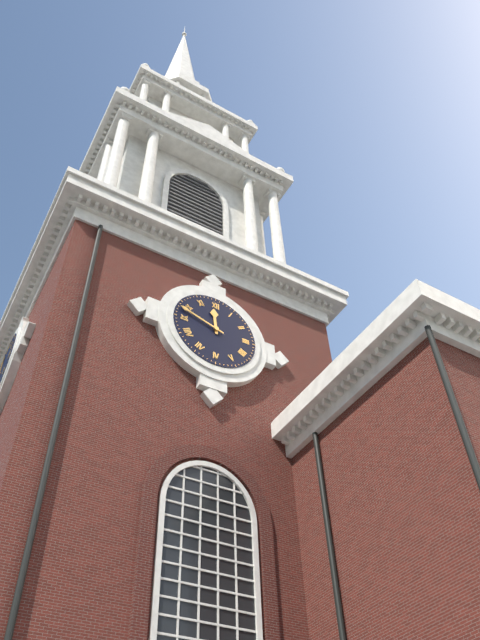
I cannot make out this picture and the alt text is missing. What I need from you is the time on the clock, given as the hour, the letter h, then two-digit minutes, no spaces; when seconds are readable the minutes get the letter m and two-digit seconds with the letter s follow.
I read 11h48
